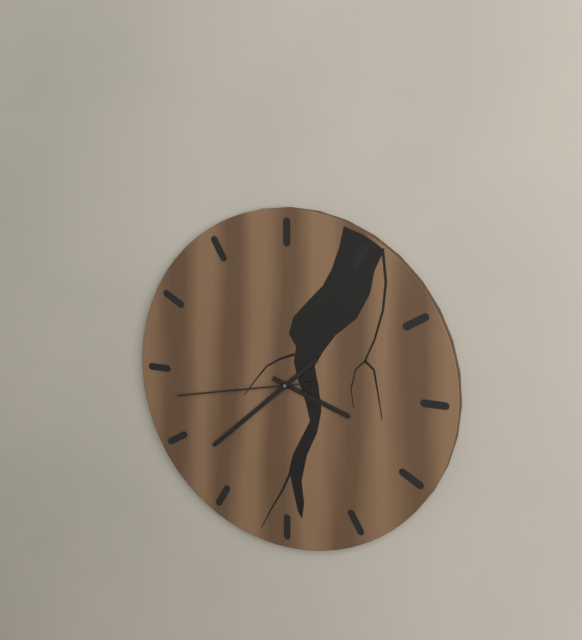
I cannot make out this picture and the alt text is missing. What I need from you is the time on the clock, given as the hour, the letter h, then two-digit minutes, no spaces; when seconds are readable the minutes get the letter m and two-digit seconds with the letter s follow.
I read 3h38m43s
